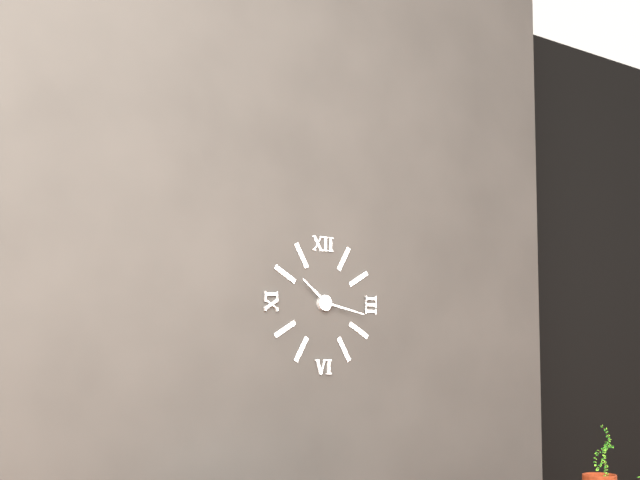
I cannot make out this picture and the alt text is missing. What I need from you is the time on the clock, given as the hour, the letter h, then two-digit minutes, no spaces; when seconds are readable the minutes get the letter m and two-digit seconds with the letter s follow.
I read 10h17
